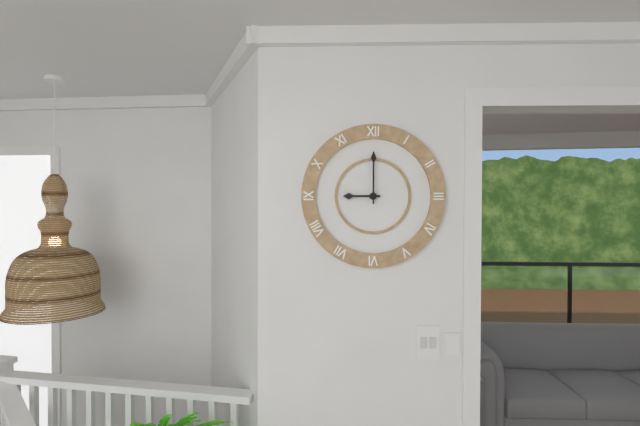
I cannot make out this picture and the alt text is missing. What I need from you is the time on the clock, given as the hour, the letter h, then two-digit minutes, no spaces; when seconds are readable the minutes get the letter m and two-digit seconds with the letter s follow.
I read 9h00
